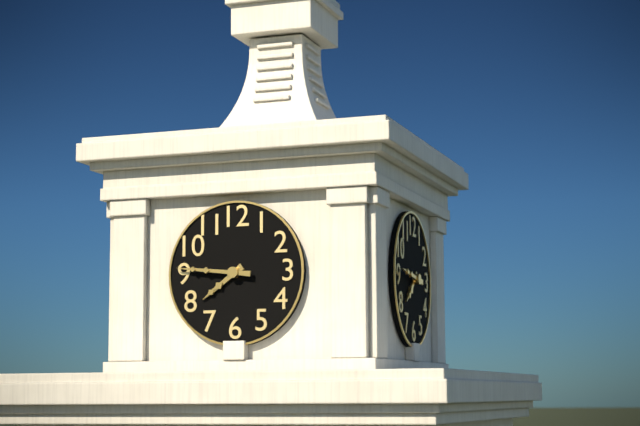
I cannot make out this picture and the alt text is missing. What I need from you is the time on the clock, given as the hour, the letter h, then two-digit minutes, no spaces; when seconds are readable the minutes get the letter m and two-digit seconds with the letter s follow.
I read 7h46
